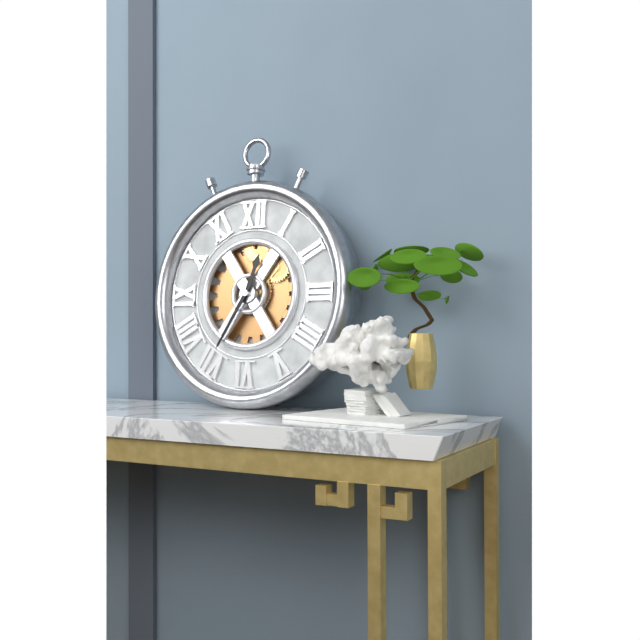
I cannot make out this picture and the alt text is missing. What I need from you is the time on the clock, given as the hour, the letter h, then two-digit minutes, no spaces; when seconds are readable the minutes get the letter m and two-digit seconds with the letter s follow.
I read 12h35
